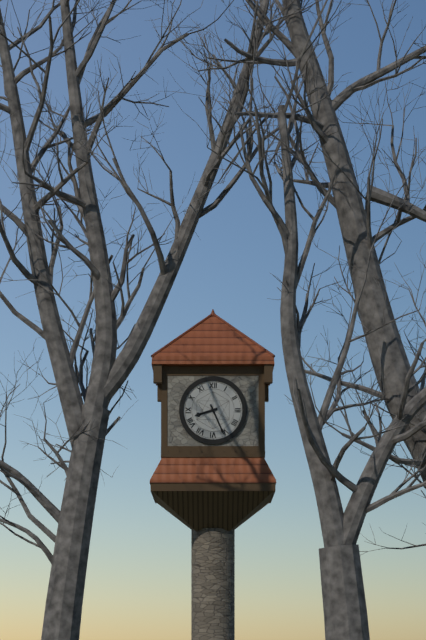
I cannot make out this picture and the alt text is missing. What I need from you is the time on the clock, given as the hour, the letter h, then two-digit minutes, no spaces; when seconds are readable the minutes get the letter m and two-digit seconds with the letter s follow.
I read 8h26
